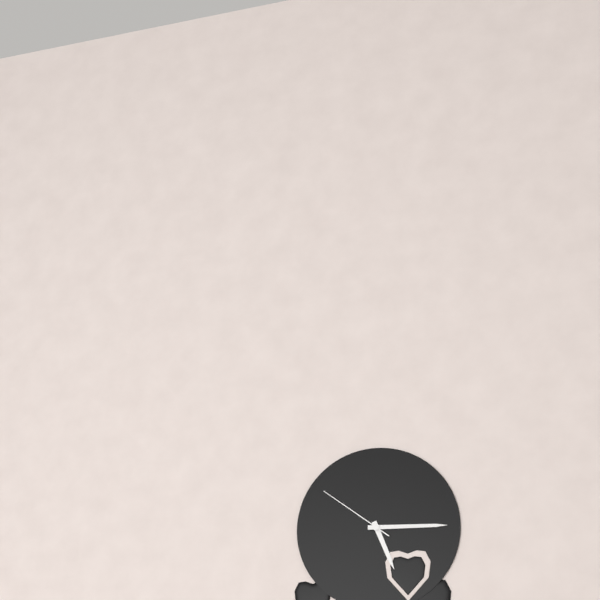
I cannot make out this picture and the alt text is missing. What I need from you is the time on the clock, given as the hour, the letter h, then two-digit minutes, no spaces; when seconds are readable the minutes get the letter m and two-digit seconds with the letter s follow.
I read 5h15m51s
